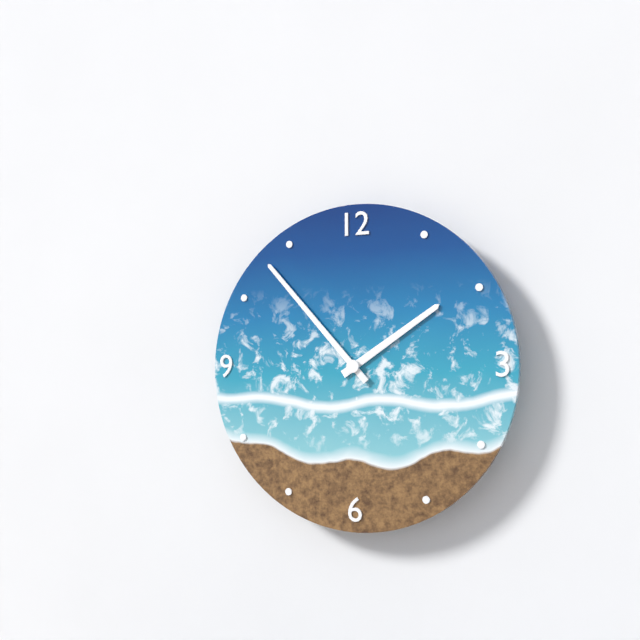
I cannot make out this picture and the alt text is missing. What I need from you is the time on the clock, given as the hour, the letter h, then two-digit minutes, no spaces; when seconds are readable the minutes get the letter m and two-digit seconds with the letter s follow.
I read 1h53
